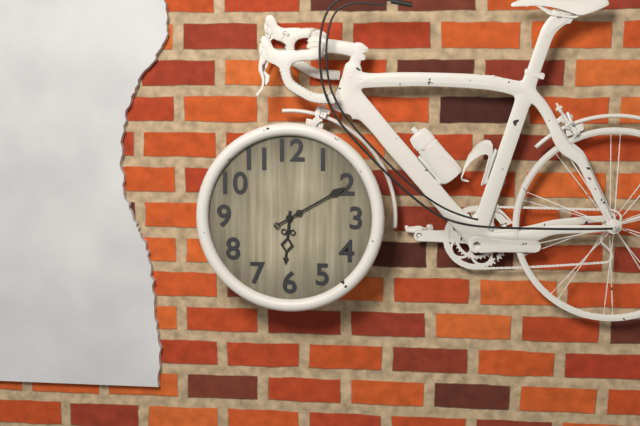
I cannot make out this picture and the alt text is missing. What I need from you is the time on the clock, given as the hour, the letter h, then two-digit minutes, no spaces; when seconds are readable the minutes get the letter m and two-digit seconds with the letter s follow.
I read 6h10
